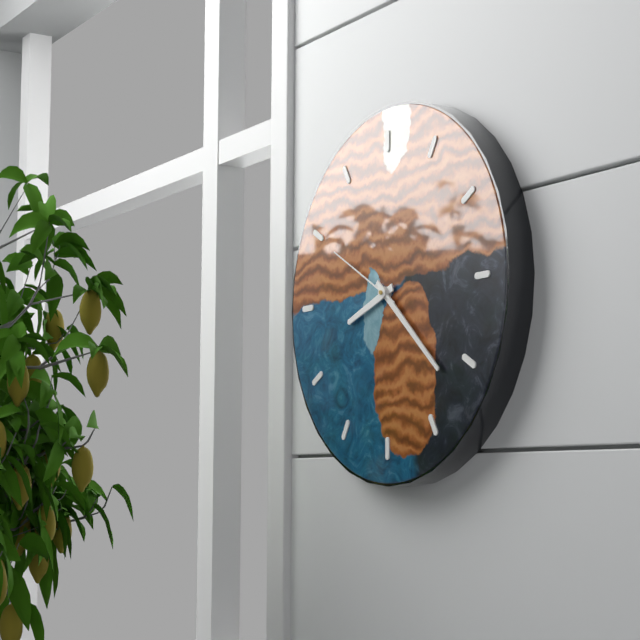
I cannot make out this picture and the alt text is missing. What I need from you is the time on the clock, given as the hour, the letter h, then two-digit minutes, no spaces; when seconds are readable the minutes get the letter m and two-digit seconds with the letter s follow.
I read 8h22m50s
